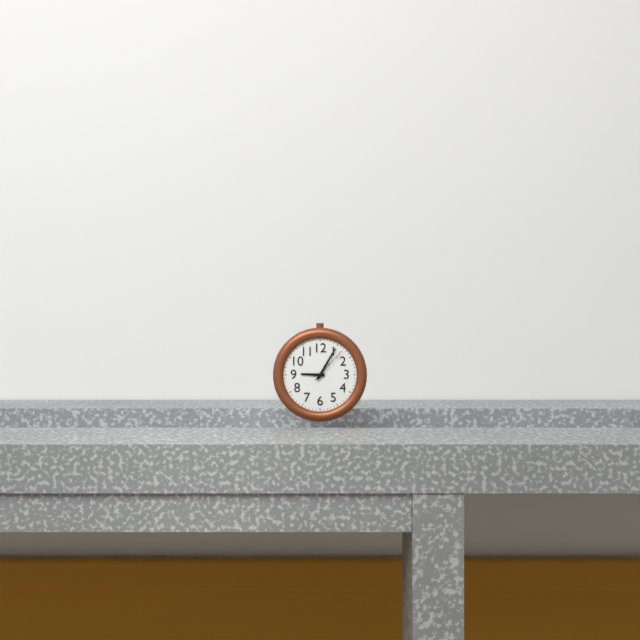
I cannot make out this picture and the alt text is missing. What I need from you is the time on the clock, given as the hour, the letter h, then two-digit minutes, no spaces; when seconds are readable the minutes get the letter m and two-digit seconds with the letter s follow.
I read 9h05
